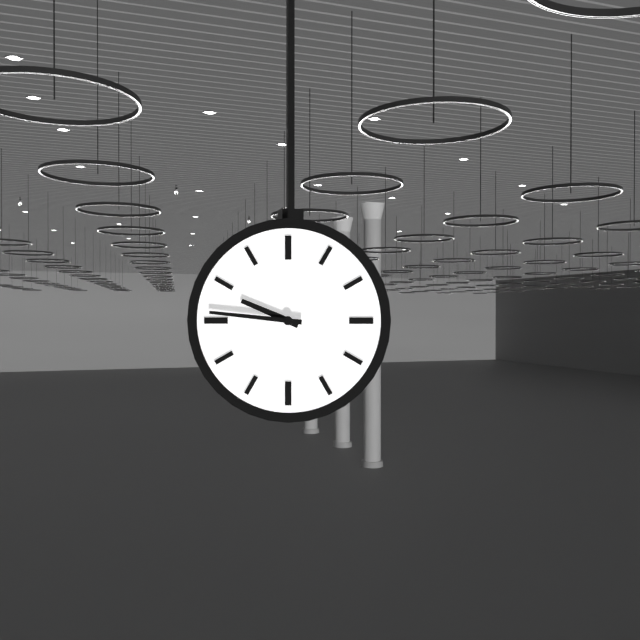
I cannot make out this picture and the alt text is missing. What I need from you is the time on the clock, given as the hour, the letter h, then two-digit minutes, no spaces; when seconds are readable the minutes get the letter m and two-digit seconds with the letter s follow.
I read 9h46
